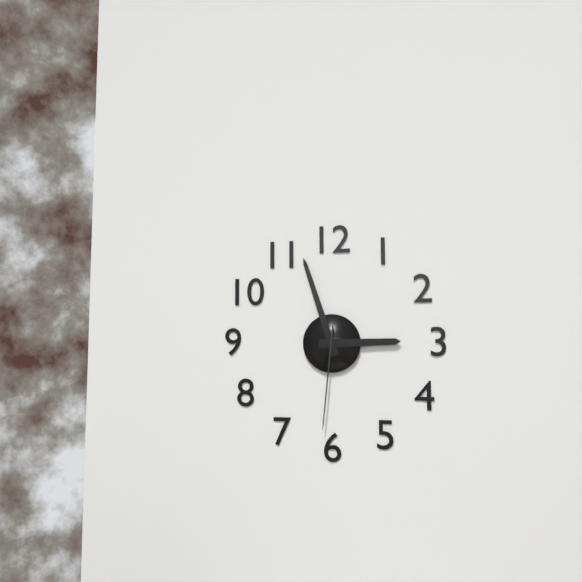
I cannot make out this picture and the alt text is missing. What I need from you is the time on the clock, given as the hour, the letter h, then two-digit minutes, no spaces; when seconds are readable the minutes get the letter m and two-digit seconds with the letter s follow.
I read 2h57m31s
